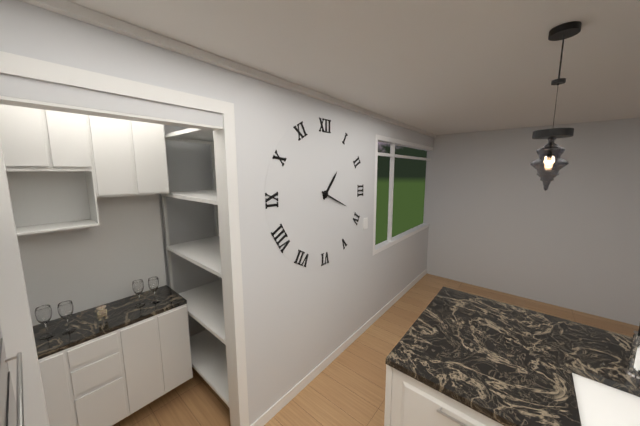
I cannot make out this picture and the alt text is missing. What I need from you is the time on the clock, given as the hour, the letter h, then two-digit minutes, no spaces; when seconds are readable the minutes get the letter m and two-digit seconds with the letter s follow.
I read 1h19
